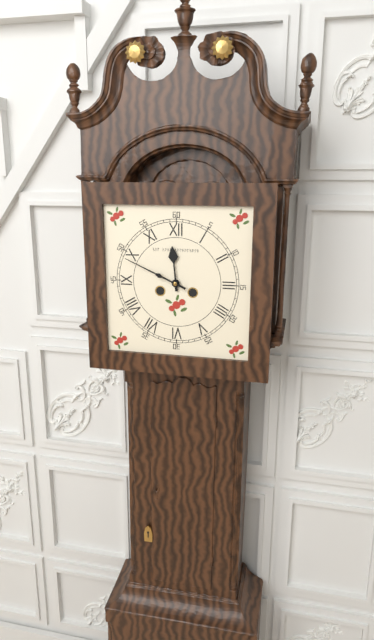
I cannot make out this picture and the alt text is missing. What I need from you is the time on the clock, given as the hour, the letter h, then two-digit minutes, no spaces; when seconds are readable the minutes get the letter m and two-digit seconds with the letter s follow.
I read 11h49
